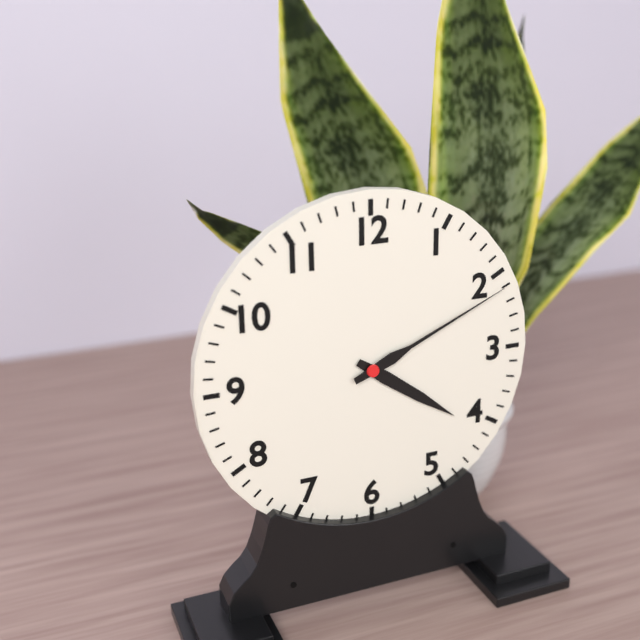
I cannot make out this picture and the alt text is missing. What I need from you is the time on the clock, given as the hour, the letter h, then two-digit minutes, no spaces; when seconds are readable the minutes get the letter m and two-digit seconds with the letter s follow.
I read 4h11
